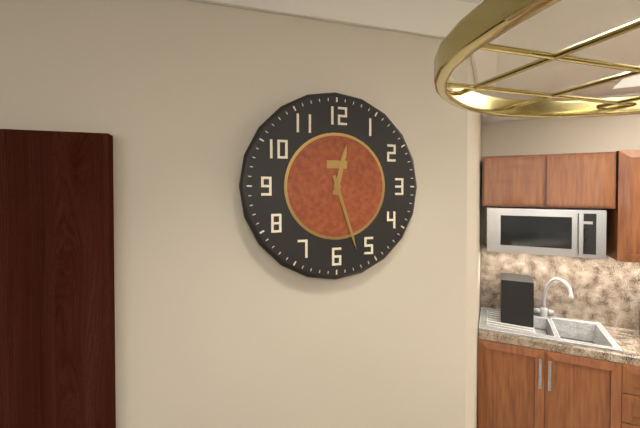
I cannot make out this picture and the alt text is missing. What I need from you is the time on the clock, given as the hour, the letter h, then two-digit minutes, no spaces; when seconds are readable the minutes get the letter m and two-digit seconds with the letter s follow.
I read 12h27
